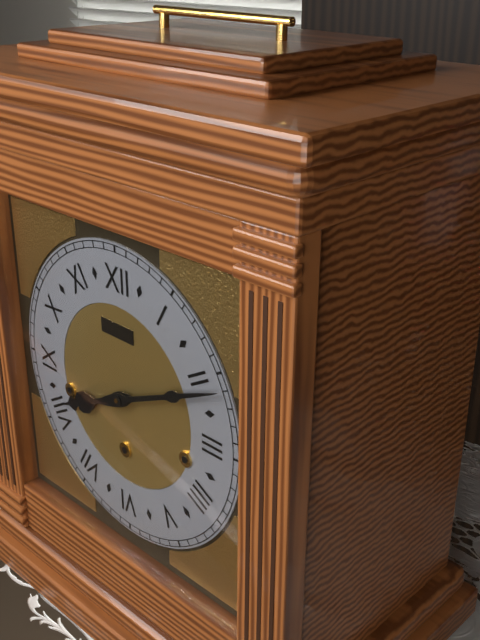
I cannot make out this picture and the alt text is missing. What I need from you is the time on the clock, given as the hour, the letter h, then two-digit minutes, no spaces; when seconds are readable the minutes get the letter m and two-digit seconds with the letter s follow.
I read 8h11
